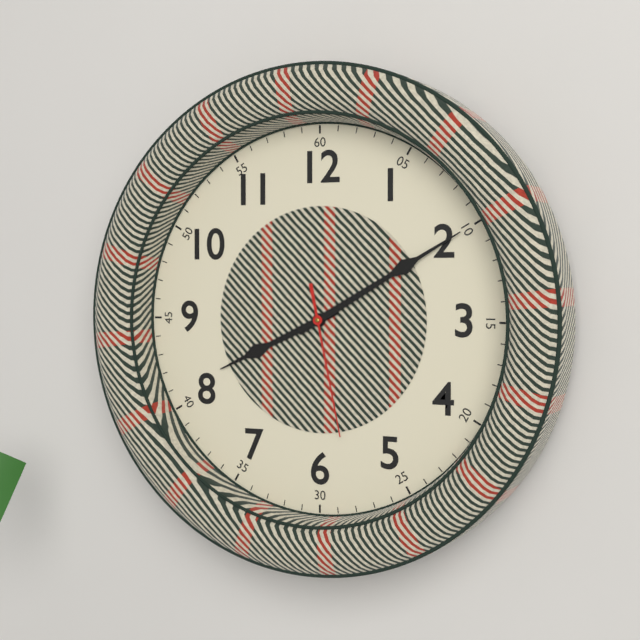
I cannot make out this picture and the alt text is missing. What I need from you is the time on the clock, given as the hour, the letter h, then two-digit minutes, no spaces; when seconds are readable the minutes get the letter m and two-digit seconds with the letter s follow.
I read 8h10m28s
